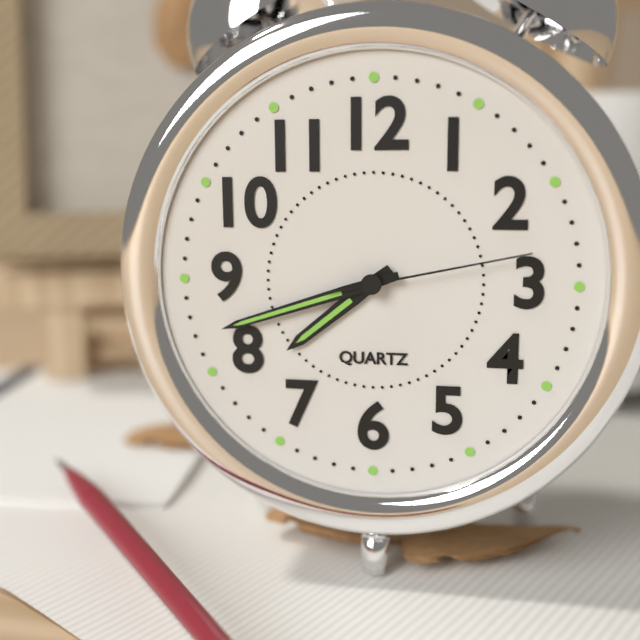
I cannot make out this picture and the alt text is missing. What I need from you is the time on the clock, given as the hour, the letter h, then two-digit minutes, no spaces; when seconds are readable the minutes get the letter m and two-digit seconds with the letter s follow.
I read 7h42m13s
